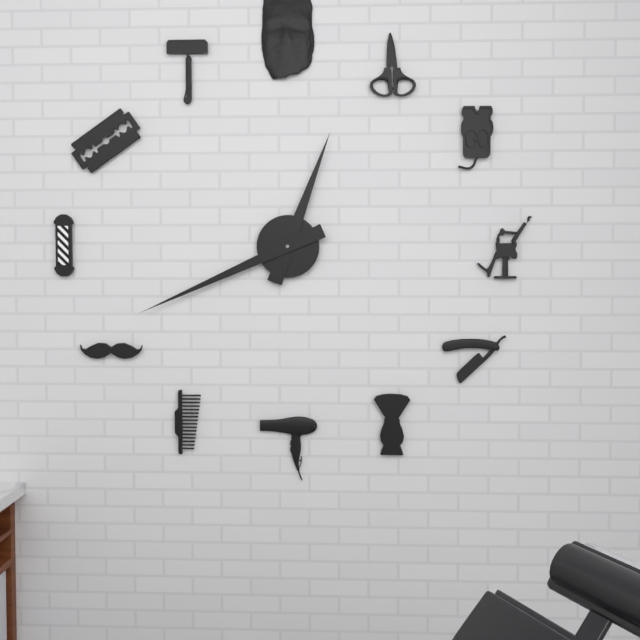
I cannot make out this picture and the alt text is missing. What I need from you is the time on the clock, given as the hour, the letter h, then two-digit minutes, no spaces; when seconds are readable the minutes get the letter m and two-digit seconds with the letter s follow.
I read 12h41
